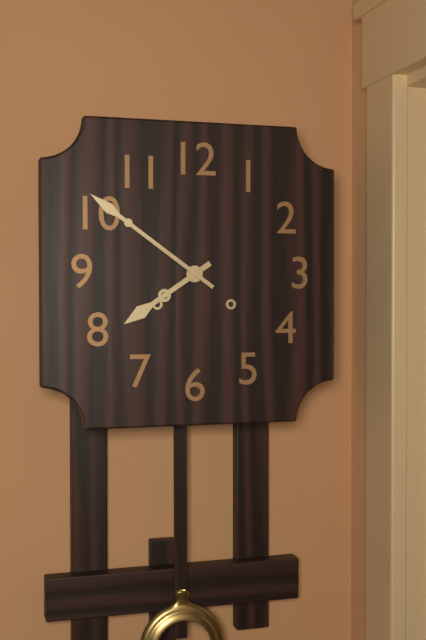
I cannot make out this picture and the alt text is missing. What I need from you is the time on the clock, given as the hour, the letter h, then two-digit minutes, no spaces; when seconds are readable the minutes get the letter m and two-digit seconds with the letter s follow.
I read 7h51
